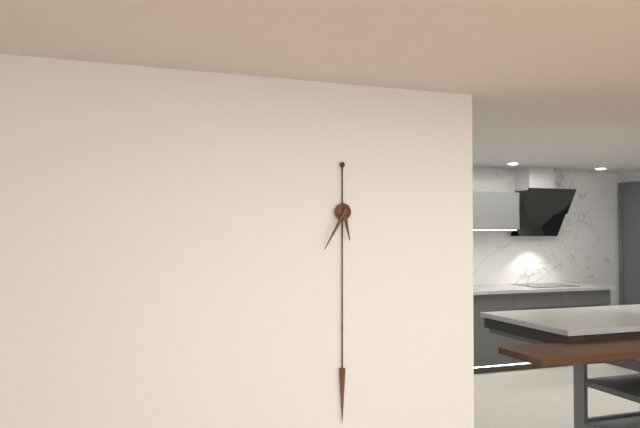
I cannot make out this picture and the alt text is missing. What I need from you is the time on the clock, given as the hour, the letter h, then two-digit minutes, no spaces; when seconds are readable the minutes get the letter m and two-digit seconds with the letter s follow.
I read 5h35
